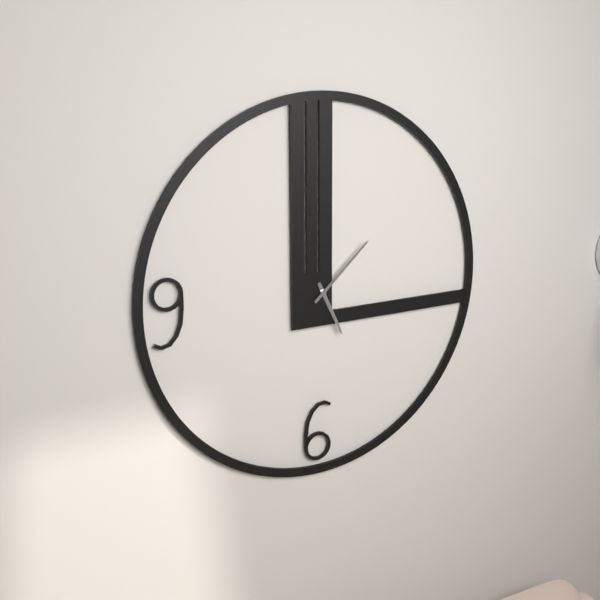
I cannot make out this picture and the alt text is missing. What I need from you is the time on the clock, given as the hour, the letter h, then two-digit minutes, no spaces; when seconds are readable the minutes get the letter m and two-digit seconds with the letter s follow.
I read 5h08
